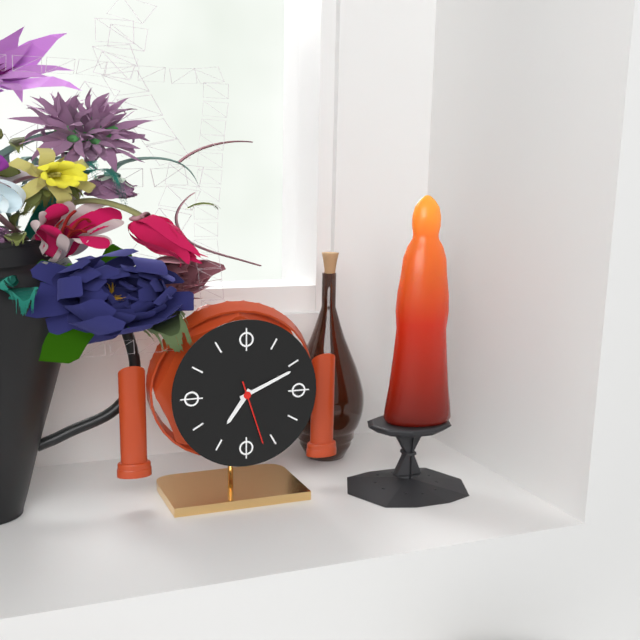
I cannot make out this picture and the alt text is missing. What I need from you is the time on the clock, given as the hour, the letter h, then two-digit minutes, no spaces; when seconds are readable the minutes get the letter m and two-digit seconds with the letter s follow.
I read 7h11m27s
